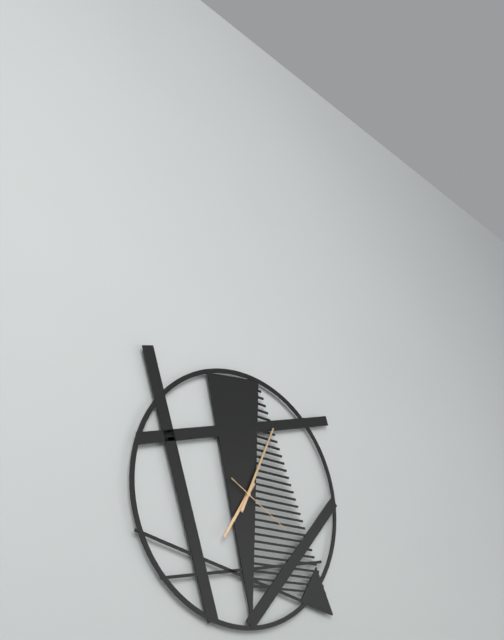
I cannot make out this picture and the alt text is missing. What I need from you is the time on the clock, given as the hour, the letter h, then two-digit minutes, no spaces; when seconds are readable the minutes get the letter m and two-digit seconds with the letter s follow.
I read 7h04m20s
